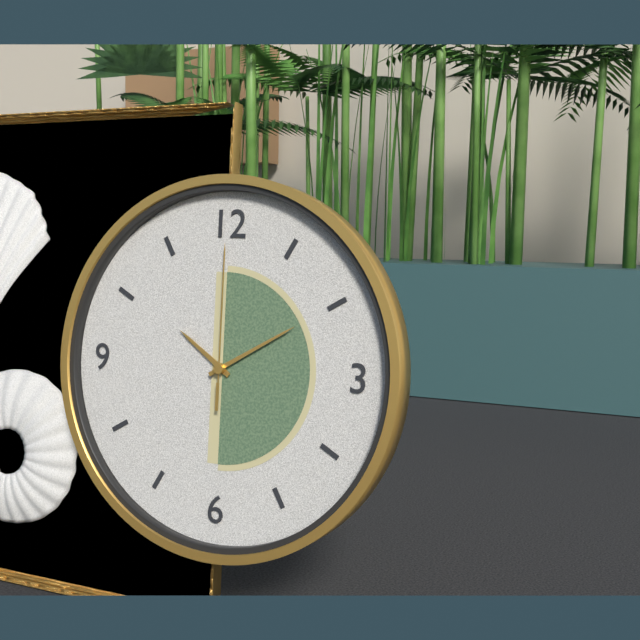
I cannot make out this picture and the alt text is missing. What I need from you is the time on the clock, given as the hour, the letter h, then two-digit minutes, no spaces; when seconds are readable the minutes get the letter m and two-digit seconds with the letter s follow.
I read 10h10m00s
